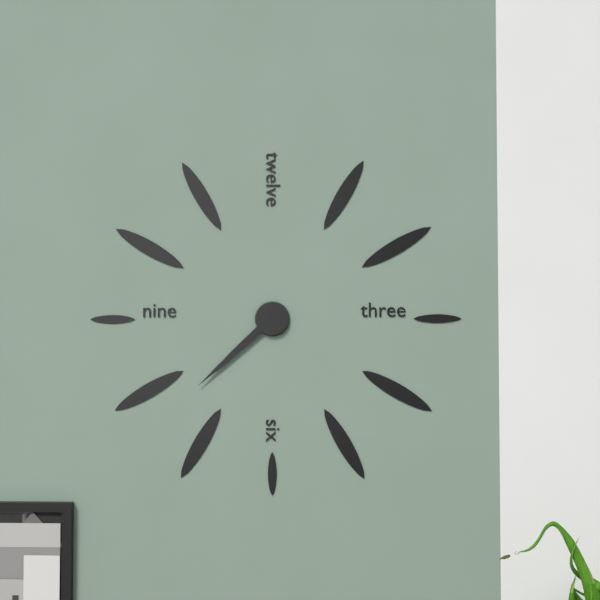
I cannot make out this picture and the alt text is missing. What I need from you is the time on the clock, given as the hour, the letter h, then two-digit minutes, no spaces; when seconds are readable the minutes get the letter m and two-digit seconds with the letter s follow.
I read 7h38
